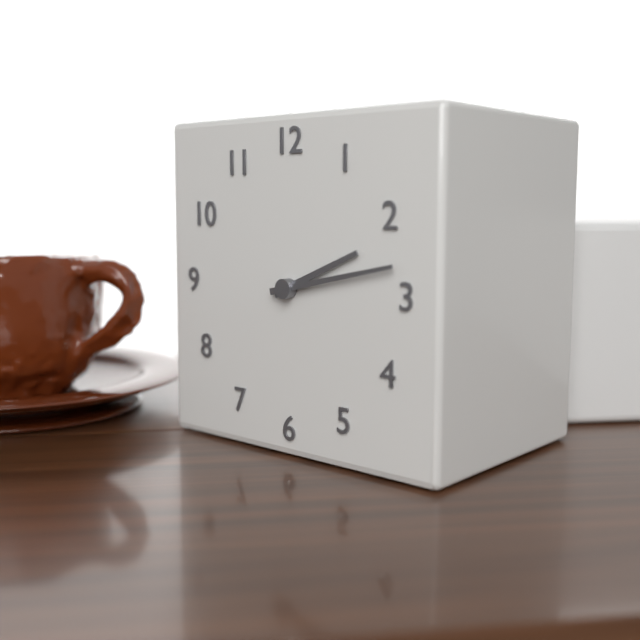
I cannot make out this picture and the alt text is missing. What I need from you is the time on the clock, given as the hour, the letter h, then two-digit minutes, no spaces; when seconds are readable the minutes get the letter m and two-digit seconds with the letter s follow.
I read 2h13
